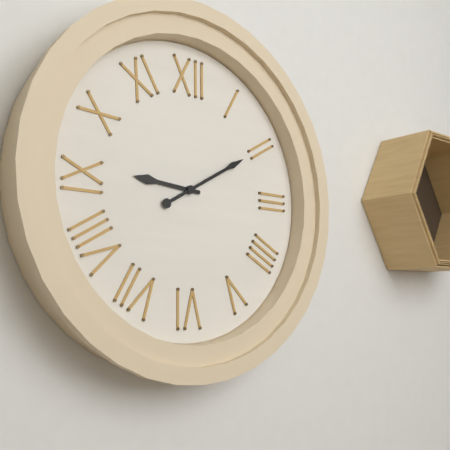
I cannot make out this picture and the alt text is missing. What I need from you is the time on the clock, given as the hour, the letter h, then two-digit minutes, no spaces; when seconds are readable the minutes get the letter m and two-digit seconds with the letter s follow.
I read 9h10
